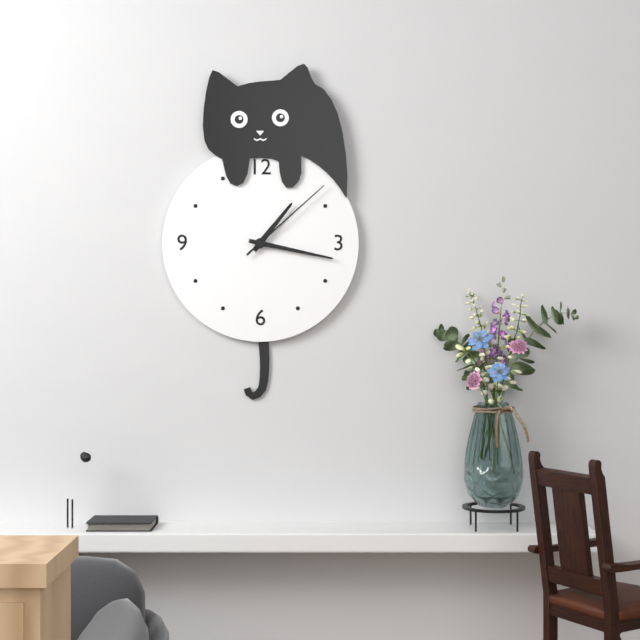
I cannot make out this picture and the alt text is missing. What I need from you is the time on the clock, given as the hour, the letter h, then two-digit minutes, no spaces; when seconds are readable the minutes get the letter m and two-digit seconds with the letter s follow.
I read 1h17m08s
